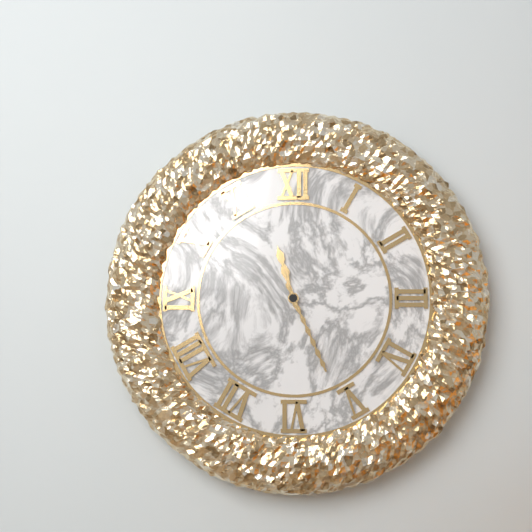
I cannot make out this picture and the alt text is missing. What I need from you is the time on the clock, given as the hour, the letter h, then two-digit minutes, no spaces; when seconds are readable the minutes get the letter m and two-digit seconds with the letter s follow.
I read 11h26
